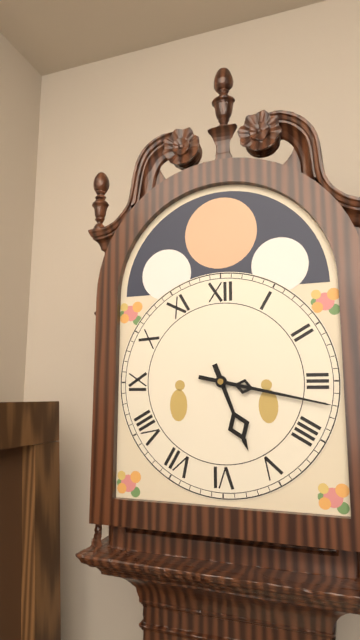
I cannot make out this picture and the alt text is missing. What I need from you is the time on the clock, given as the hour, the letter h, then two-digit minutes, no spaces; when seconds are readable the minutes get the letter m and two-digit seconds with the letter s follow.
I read 5h17
